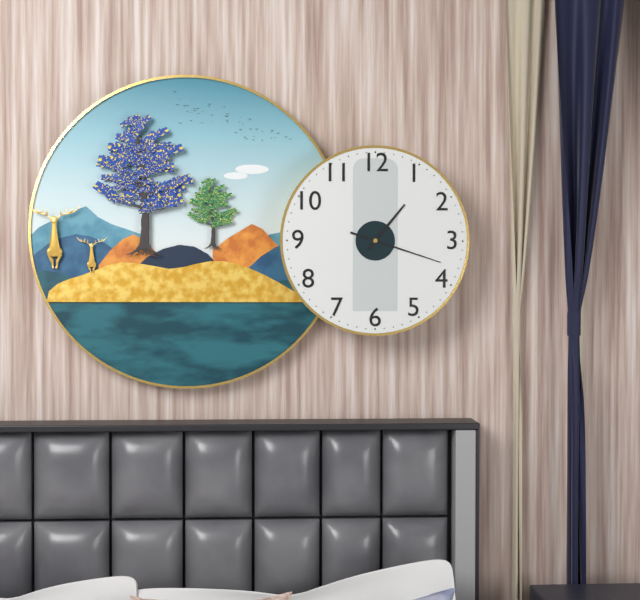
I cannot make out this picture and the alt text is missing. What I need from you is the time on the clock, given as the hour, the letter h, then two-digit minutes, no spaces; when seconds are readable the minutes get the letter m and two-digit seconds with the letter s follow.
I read 1h18
